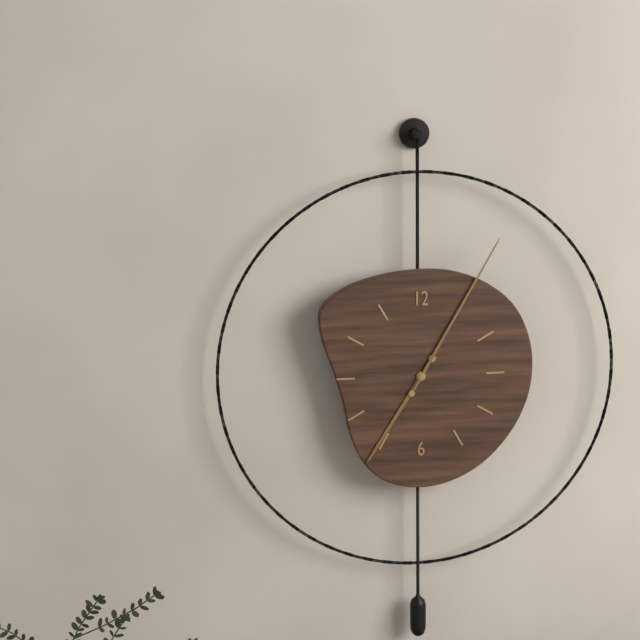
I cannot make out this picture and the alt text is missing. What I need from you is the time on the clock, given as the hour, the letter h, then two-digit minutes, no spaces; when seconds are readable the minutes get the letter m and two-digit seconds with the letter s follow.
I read 7h05
